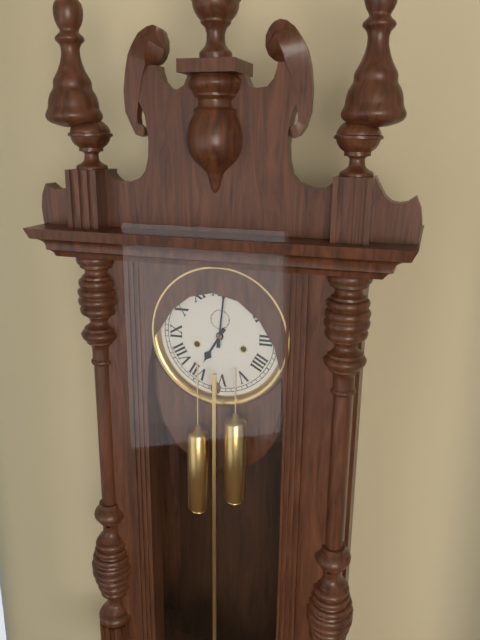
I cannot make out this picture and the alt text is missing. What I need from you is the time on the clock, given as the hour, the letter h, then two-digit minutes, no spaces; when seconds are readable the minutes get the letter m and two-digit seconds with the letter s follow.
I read 7h01
